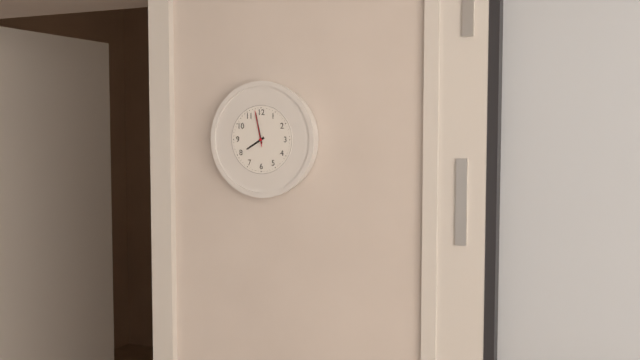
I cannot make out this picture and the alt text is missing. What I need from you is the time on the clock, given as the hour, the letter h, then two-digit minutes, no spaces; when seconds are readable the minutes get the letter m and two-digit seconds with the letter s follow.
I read 7h58
